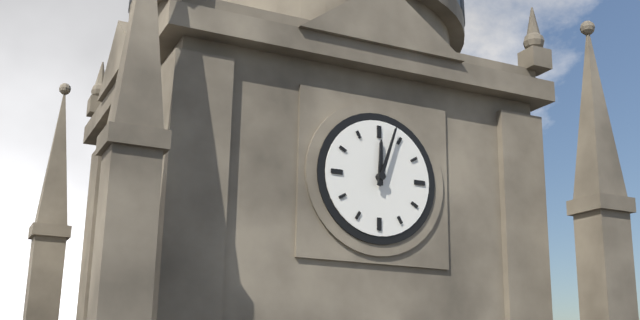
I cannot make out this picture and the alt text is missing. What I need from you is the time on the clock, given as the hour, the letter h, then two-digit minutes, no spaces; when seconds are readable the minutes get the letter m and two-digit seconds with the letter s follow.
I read 12h03
